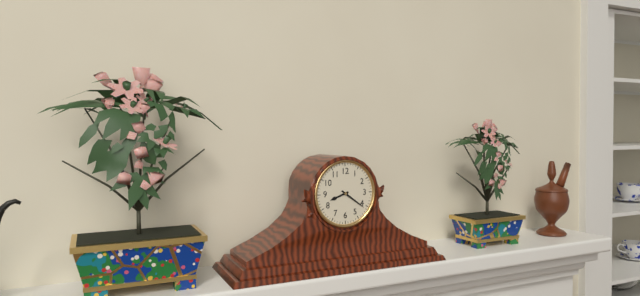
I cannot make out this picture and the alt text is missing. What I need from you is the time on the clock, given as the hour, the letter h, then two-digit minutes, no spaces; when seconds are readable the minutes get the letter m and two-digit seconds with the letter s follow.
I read 8h21
